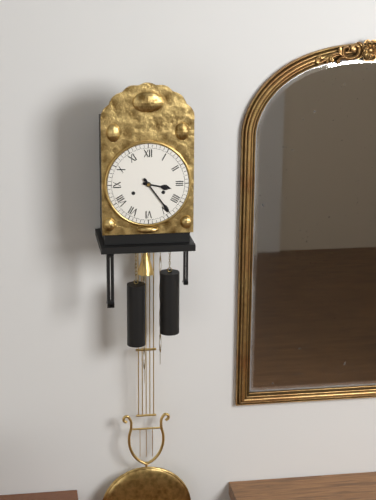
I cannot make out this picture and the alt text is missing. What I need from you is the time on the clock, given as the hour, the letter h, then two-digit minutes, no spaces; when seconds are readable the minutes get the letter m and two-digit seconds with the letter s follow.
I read 3h24
